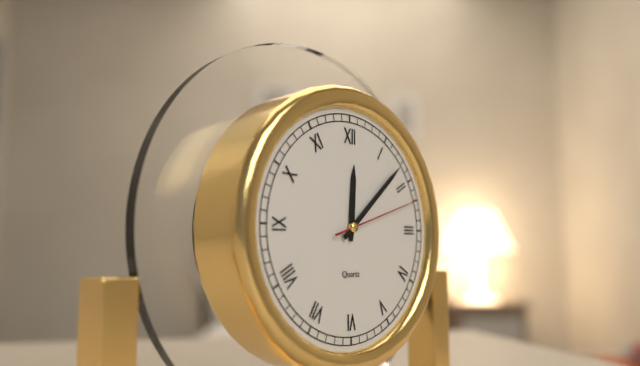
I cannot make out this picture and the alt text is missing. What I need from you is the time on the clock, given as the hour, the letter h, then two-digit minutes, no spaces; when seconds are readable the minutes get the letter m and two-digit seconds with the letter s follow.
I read 12h08m12s
